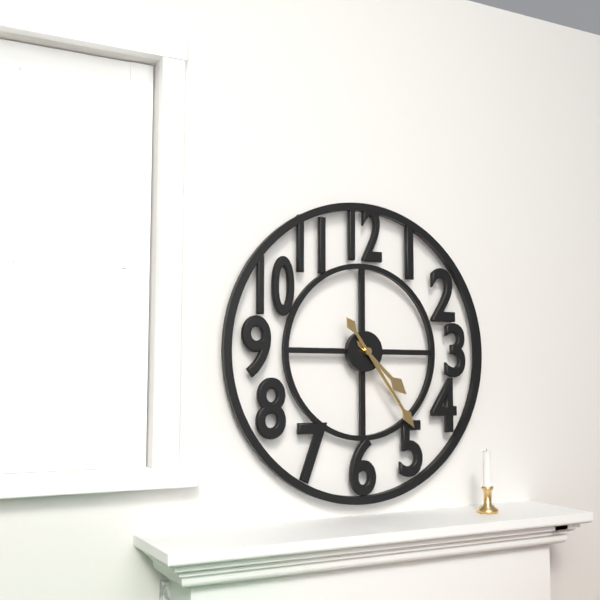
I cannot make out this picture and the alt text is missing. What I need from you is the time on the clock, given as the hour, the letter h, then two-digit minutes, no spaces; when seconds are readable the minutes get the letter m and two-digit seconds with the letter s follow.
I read 4h24
